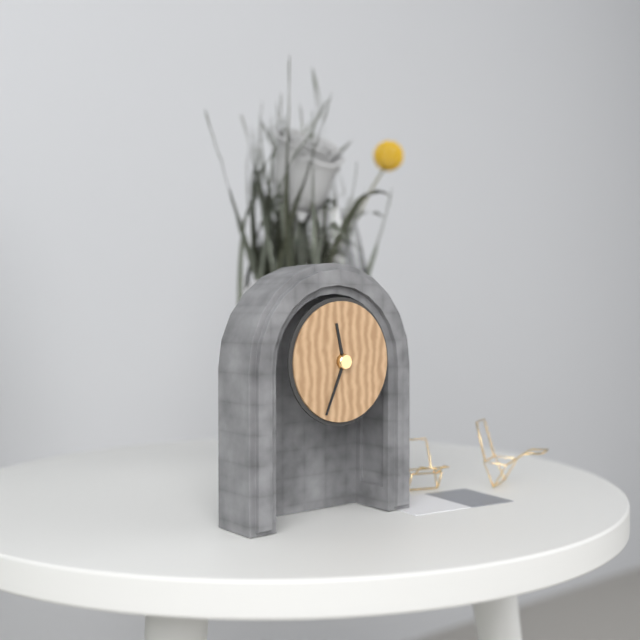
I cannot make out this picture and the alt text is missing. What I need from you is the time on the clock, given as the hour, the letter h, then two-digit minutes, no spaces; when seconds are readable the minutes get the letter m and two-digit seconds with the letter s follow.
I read 11h34
